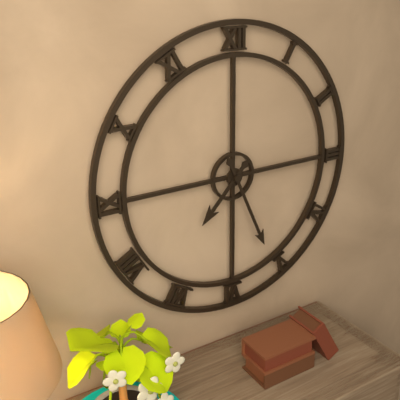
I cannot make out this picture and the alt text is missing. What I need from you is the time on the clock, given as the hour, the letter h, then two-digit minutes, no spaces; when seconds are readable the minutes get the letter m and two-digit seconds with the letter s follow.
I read 7h26
